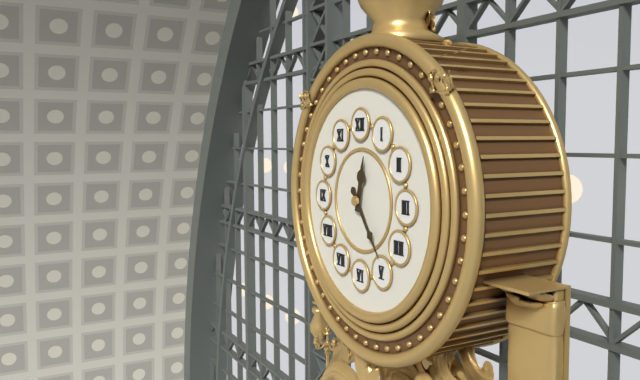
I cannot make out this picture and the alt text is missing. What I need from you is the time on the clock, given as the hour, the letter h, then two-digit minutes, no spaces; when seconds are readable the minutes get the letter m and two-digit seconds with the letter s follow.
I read 12h24
